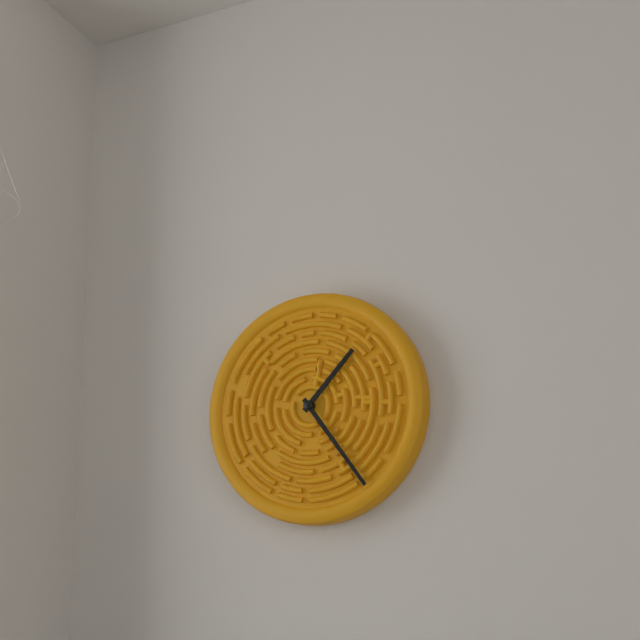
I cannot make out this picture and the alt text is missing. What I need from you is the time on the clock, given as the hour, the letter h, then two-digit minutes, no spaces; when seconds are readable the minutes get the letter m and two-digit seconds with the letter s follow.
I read 1h24
